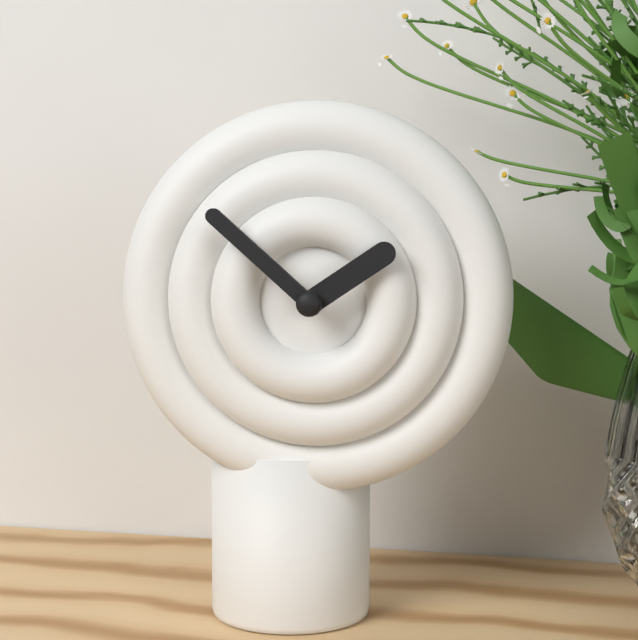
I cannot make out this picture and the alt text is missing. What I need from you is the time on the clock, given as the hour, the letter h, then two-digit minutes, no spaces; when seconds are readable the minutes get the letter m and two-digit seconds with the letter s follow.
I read 1h52
